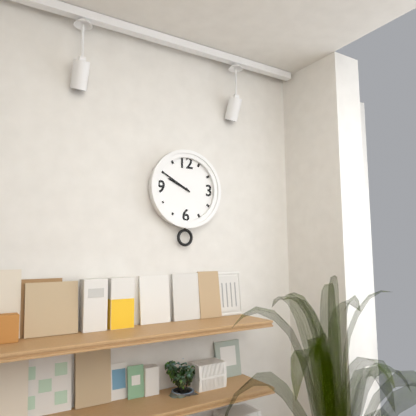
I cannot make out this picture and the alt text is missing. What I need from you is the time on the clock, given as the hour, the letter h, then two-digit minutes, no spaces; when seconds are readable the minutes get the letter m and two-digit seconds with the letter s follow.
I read 9h50
